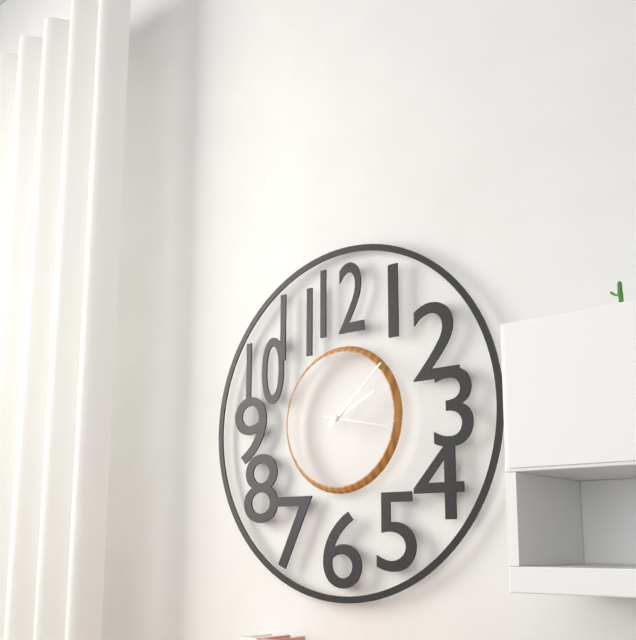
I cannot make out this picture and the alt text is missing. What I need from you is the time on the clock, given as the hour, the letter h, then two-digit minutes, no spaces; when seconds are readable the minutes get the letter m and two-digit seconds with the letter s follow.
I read 2h08m17s
